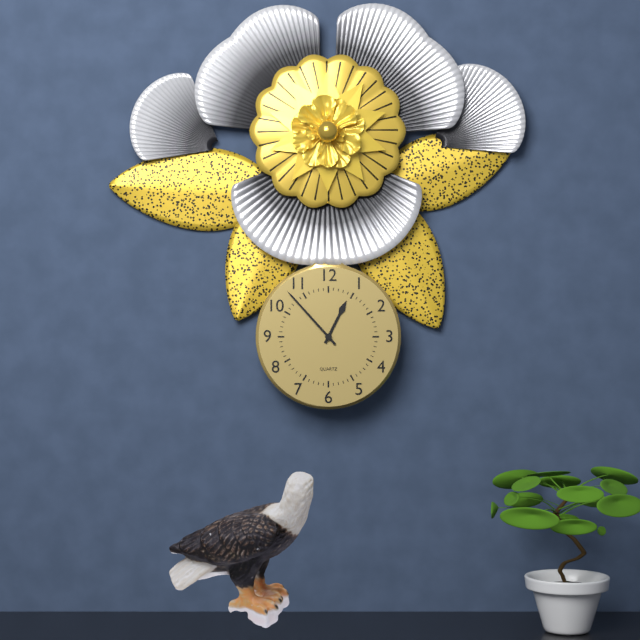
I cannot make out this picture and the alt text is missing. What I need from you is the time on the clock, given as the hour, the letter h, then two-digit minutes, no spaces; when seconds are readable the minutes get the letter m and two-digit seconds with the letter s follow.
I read 12h53
